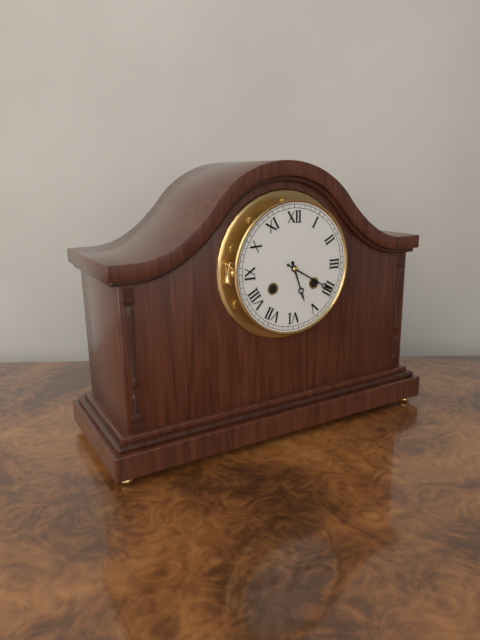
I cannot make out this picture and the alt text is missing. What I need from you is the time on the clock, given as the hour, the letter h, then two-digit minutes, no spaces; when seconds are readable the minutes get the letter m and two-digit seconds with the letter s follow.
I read 5h20
